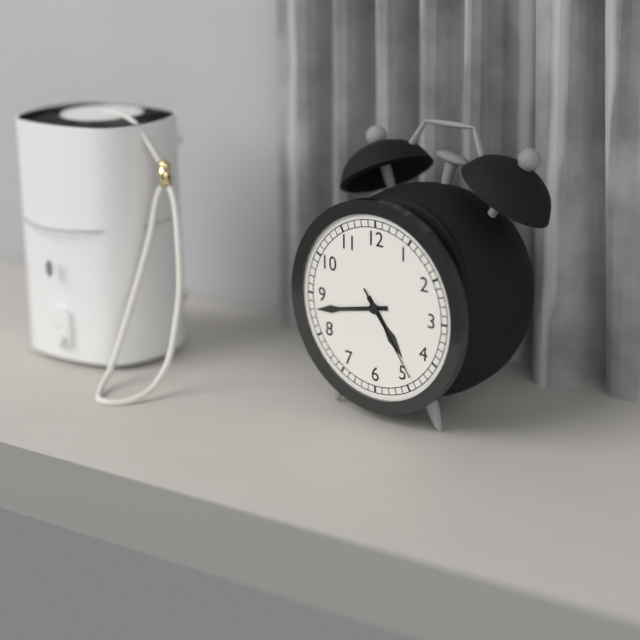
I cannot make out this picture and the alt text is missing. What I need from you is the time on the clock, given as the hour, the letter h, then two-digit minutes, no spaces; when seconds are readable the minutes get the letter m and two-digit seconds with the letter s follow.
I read 4h43m24s
